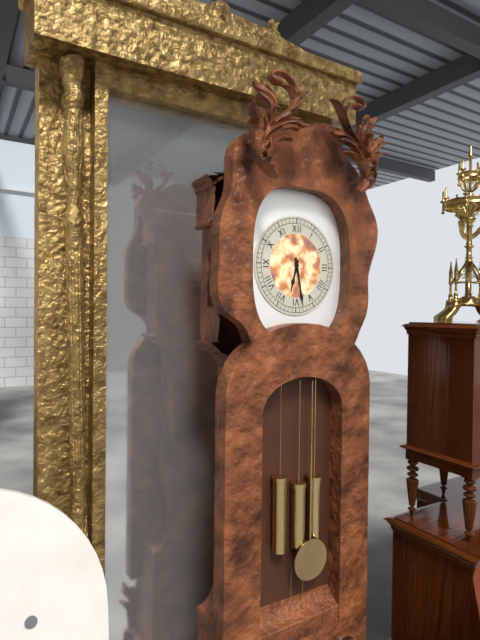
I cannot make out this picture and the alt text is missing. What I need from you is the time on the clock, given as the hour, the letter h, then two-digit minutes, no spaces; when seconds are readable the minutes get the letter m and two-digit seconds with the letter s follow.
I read 6h28
